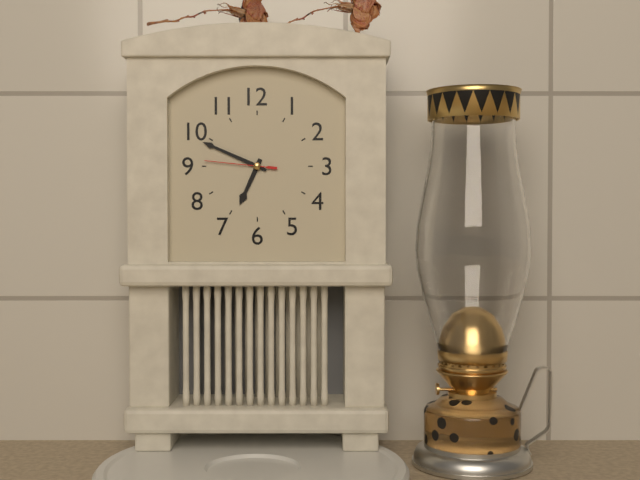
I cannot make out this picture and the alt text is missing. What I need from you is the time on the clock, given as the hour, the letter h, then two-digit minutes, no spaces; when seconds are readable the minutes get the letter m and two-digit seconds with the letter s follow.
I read 6h49m46s
